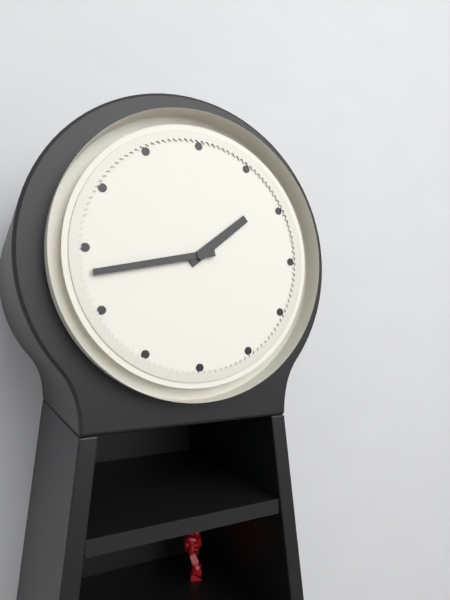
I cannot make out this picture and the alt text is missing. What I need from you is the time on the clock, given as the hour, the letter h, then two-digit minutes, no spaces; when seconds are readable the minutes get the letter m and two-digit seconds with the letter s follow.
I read 1h43
